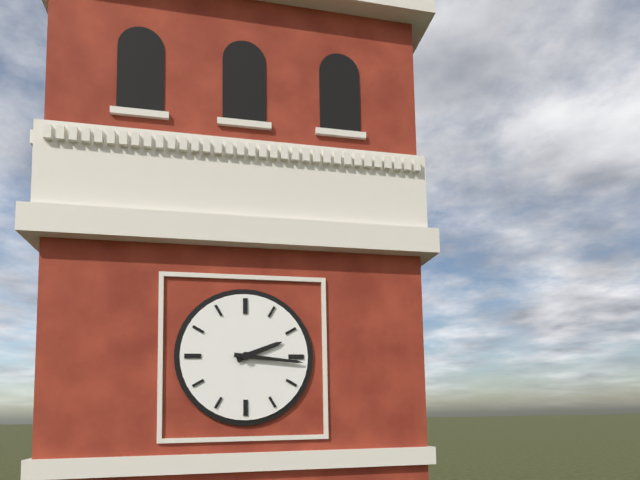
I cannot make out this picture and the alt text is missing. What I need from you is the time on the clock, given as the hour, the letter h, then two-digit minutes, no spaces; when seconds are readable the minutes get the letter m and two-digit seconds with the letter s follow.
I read 2h16
